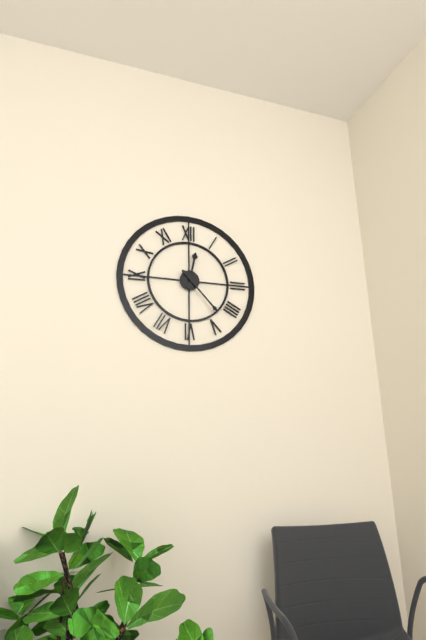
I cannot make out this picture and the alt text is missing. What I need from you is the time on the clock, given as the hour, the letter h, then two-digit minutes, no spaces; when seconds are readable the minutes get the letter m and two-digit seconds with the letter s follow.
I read 12h23
